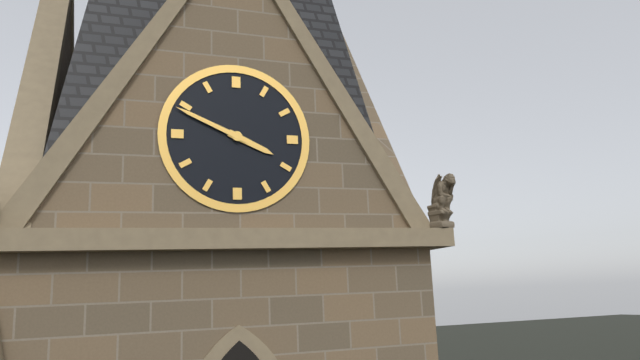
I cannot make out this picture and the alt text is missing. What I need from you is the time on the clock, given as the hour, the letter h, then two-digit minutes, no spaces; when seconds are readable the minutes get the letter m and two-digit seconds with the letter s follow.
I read 3h49
